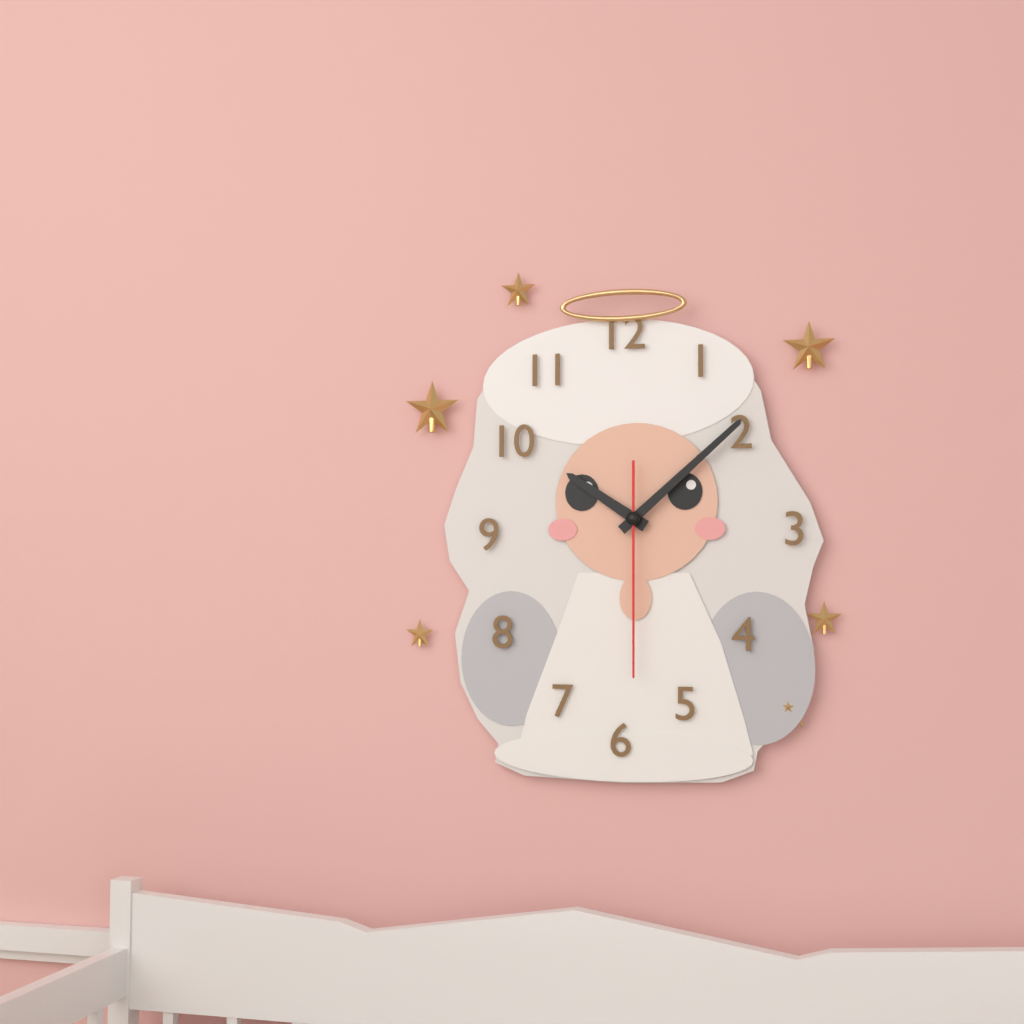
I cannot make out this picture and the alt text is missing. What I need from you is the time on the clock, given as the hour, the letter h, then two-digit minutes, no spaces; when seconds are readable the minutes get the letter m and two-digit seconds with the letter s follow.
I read 10h08m30s
